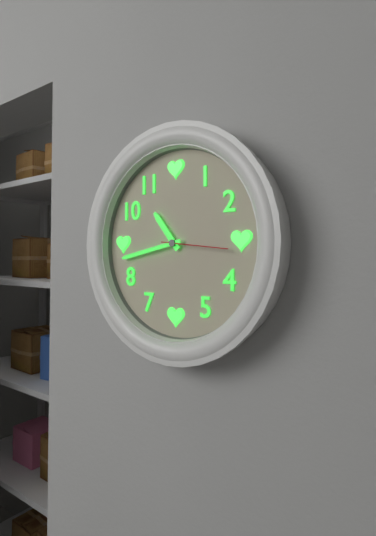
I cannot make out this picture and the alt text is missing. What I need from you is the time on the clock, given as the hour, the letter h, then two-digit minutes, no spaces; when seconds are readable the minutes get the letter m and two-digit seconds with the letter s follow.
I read 10h43m16s
